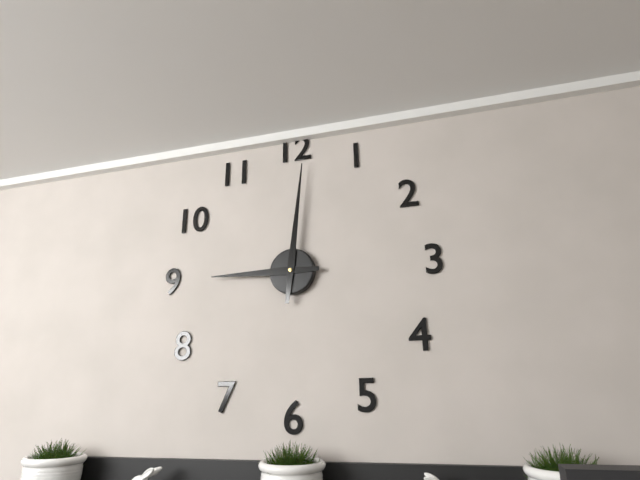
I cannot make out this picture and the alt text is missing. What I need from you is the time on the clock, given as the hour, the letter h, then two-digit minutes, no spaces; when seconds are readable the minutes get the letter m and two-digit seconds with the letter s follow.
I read 9h01
